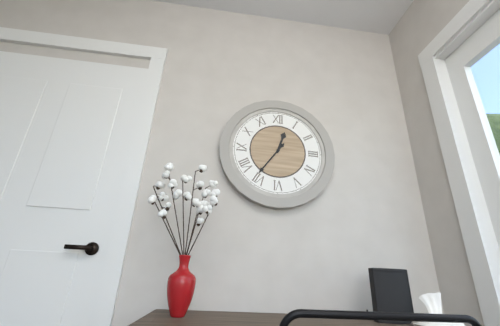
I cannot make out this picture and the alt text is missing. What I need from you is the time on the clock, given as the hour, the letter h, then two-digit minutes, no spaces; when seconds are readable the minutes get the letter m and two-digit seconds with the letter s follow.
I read 12h36
